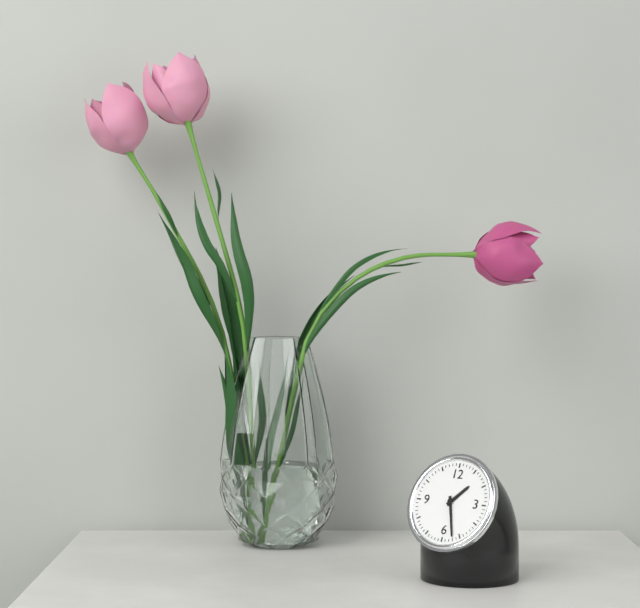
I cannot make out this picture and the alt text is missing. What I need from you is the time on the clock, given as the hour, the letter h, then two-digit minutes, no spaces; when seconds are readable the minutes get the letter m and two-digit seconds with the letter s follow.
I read 1h27
